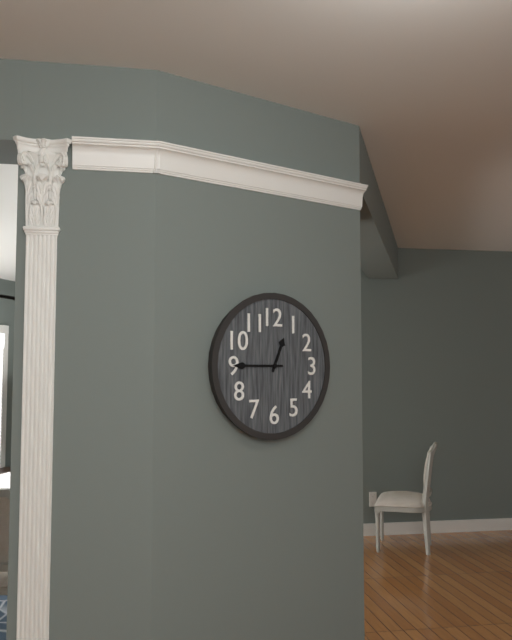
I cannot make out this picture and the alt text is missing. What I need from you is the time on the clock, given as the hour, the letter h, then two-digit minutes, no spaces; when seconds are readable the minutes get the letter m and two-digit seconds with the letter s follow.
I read 12h45
